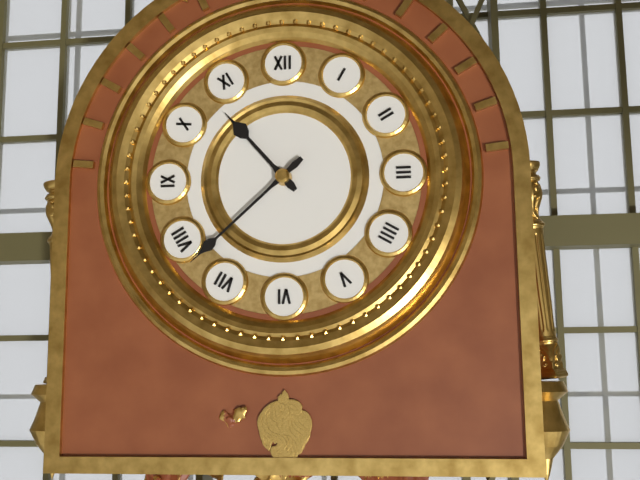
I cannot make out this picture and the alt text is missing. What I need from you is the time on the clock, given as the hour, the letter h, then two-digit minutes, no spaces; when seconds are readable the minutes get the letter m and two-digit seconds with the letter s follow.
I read 10h38
